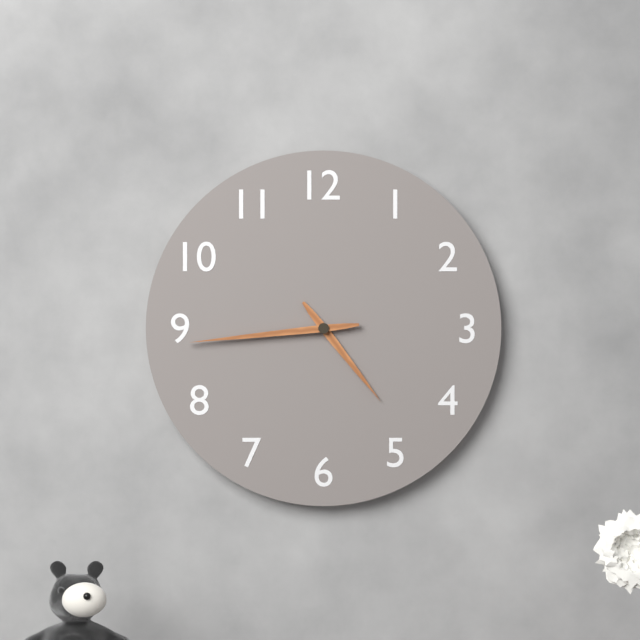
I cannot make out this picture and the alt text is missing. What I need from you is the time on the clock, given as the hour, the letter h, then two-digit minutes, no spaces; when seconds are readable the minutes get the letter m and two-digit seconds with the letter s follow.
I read 4h44
